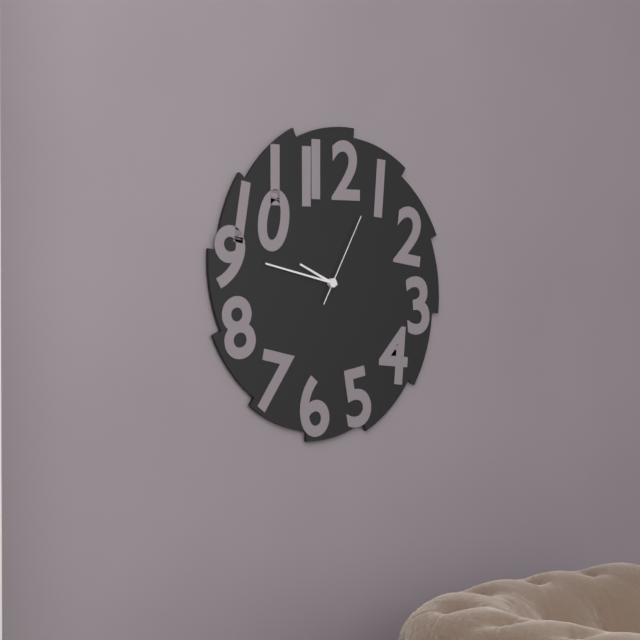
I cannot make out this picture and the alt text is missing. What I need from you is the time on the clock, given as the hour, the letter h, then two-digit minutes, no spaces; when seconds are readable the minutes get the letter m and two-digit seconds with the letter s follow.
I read 9h47m05s
